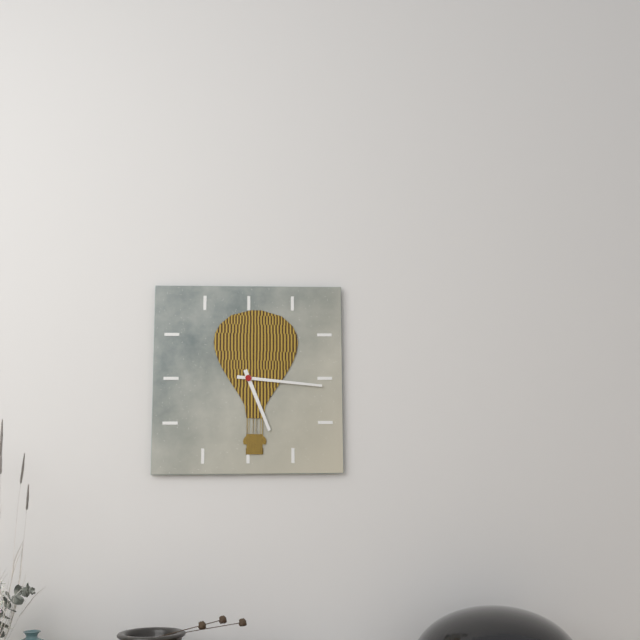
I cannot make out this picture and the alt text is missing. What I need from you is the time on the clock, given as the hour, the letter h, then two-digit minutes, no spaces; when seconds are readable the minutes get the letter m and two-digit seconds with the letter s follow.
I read 5h16
